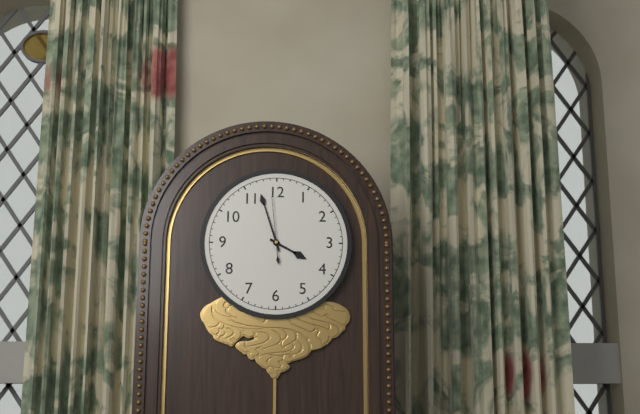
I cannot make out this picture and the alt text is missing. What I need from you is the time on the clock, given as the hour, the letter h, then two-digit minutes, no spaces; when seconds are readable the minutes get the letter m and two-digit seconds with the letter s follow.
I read 3h57m59s
